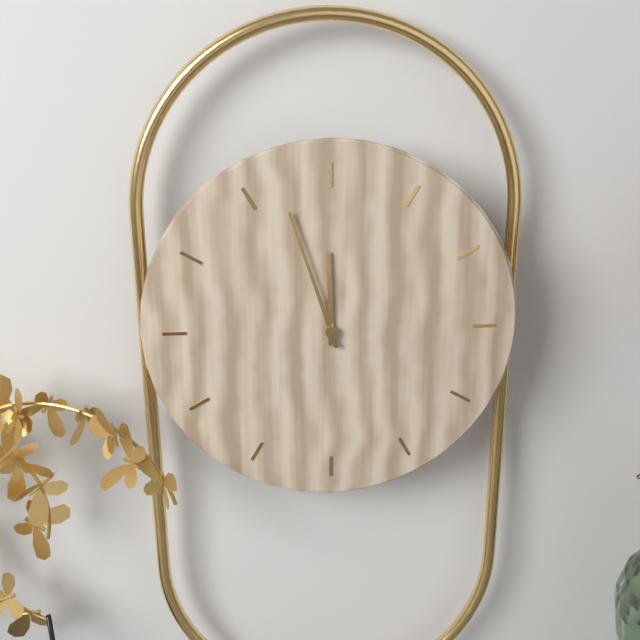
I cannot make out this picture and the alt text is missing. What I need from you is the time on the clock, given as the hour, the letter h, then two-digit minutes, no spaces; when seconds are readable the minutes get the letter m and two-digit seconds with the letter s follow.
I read 11h57
